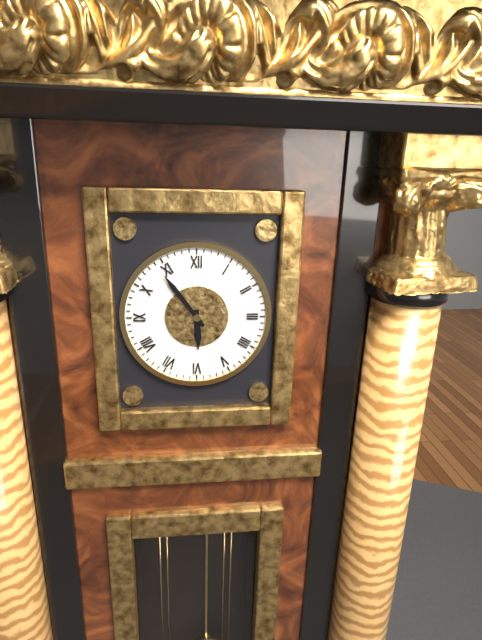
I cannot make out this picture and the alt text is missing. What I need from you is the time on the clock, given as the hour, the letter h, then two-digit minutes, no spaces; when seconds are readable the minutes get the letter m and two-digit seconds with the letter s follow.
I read 5h54
